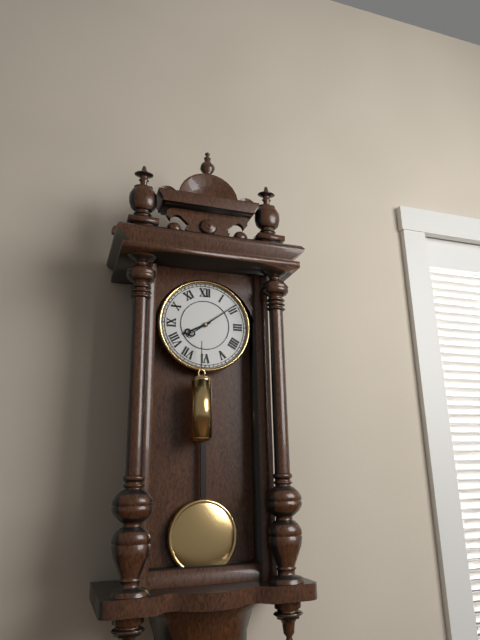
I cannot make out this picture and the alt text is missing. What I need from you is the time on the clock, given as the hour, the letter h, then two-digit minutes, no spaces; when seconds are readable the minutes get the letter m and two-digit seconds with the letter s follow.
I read 8h09
